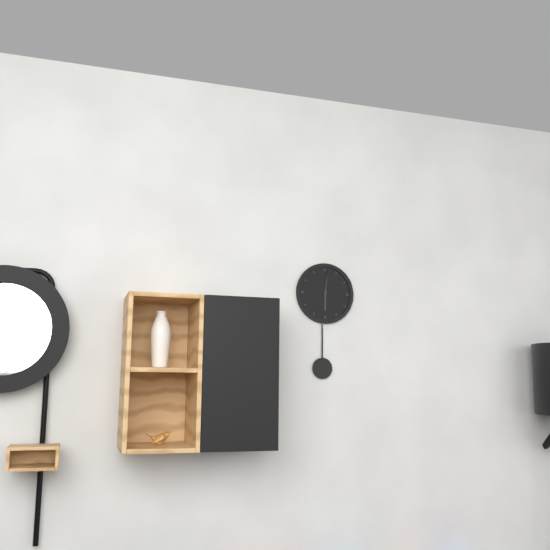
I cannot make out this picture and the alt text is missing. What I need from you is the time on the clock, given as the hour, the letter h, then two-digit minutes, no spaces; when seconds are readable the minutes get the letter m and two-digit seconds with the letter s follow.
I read 6h01
